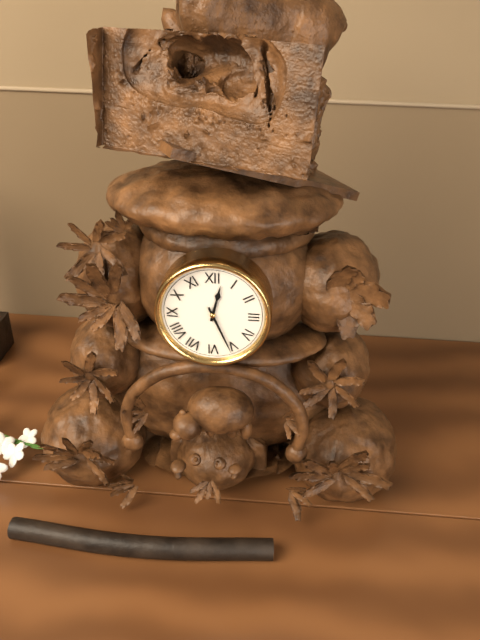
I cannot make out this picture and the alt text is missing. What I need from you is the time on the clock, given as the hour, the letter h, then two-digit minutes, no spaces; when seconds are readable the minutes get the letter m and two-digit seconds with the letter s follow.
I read 12h26
